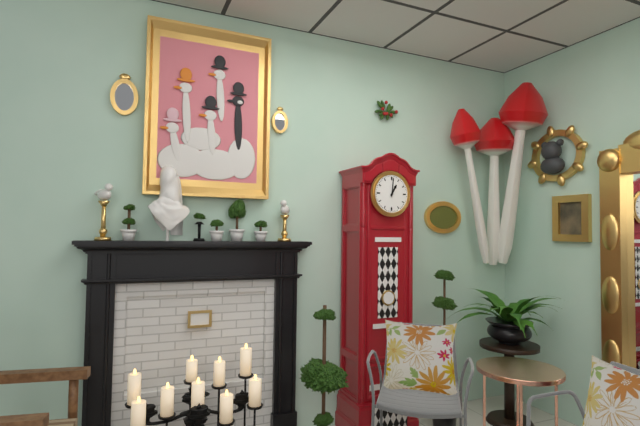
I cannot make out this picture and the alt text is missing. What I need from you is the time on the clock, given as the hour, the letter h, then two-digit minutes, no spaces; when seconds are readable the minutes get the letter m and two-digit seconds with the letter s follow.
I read 1h01
